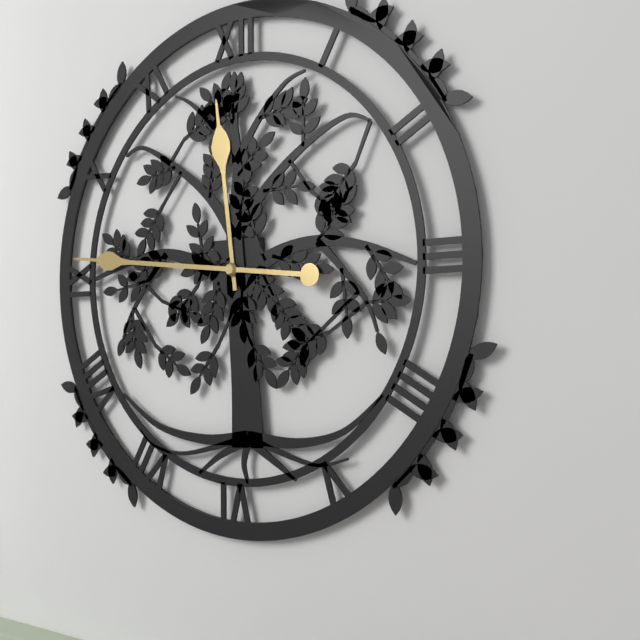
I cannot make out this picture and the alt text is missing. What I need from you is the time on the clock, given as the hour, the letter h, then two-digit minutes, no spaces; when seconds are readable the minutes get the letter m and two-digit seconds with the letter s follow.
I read 11h46
